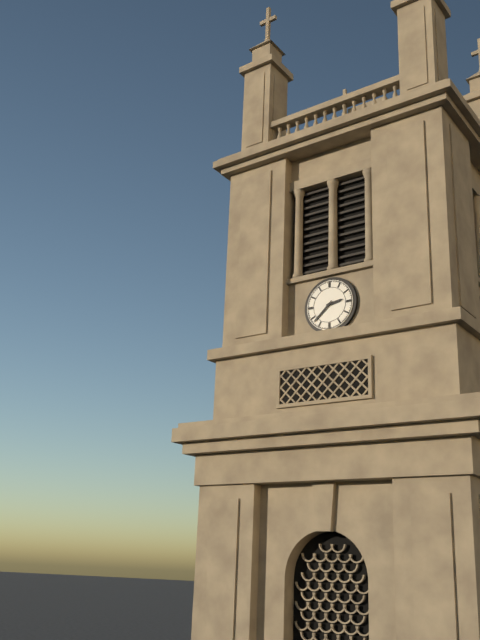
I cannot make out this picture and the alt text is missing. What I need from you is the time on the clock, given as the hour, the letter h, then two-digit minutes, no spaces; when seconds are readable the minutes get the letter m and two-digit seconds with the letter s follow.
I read 2h38
